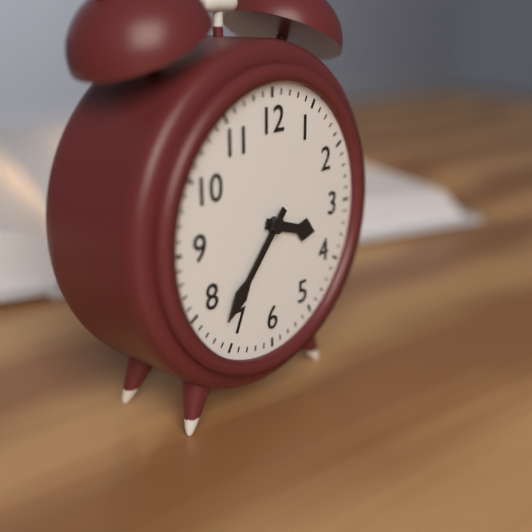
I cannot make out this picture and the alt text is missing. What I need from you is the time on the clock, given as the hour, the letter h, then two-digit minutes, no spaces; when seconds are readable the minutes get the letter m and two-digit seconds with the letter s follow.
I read 3h37
